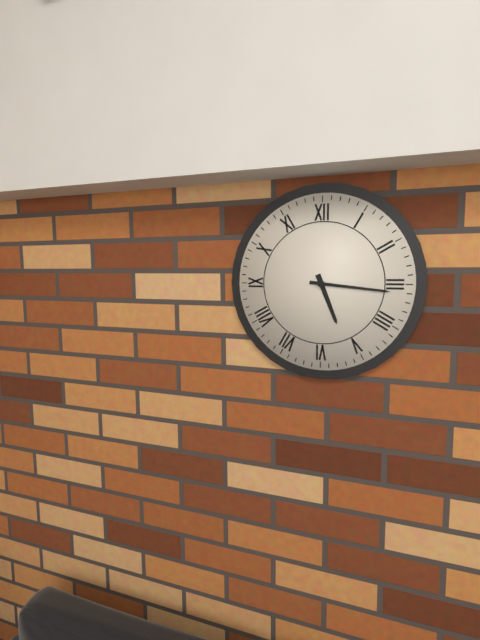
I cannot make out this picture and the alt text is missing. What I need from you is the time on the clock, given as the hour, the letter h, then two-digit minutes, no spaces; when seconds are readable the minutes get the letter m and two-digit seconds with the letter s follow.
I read 5h16
